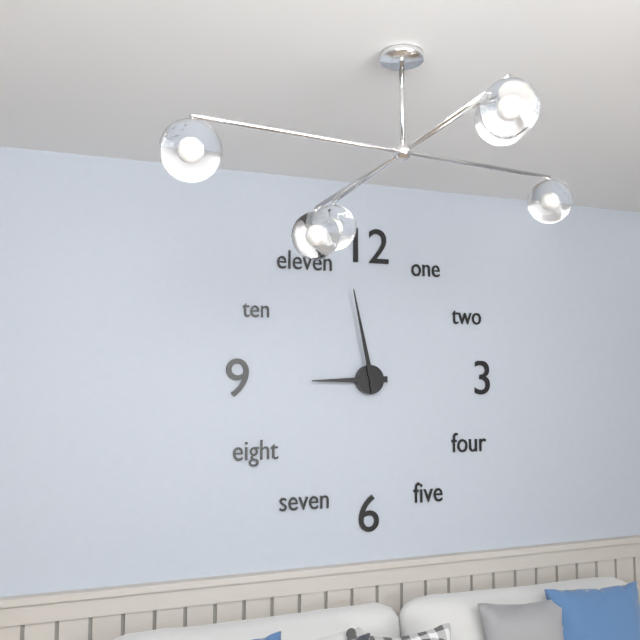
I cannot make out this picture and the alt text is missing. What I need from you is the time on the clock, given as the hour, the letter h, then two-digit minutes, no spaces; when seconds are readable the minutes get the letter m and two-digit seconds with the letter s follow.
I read 8h58
